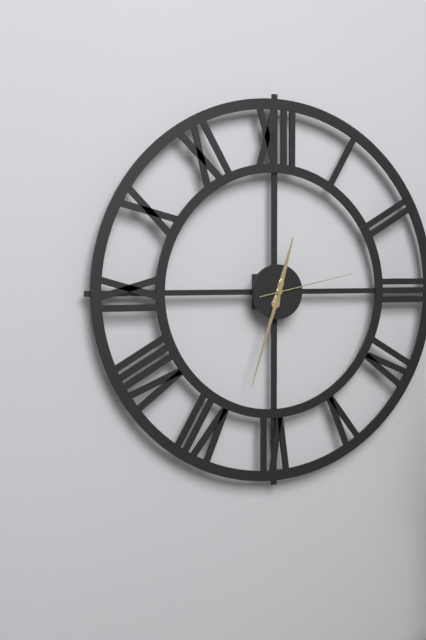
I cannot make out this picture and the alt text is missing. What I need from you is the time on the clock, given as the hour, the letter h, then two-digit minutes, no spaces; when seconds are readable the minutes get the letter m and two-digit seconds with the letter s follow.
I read 12h33m13s
